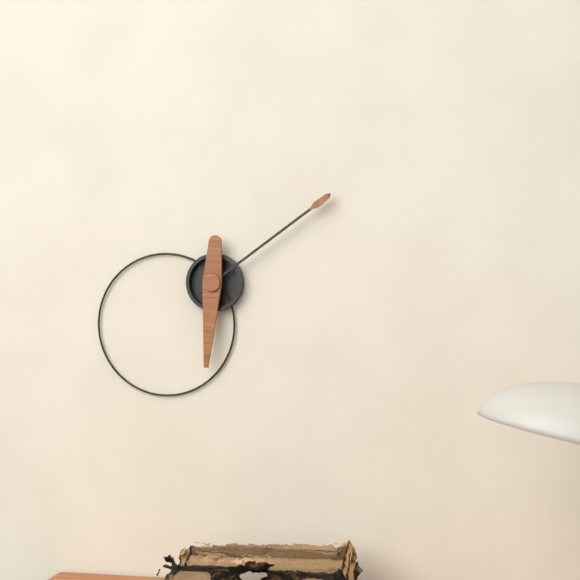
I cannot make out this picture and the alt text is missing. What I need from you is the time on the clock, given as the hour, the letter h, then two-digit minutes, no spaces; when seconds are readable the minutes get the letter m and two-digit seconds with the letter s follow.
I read 6h09
